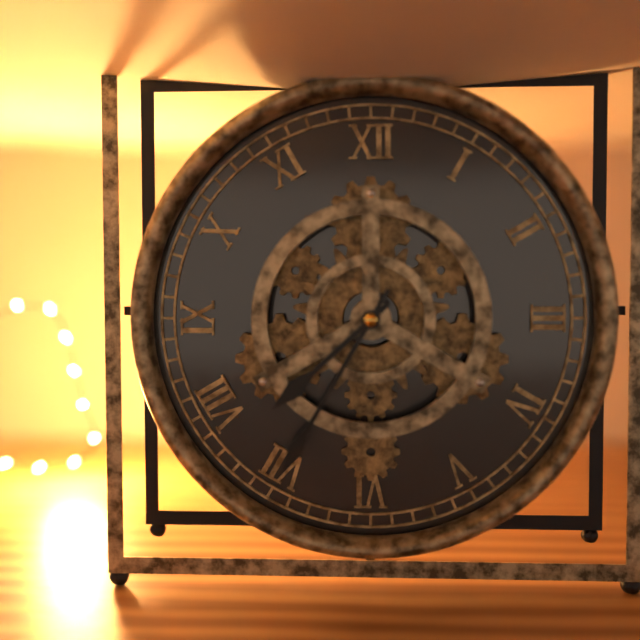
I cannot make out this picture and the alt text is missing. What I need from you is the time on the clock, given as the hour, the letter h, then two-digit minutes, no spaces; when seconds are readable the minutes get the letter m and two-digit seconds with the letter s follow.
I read 7h35
